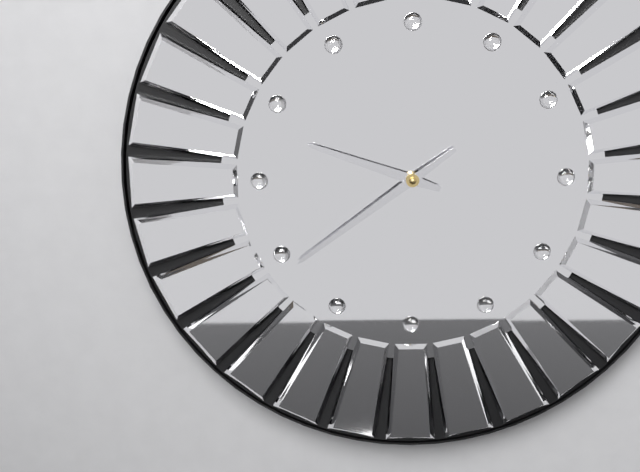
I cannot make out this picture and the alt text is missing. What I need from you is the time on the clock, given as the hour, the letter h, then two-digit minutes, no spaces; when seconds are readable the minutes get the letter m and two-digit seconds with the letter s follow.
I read 9h39
